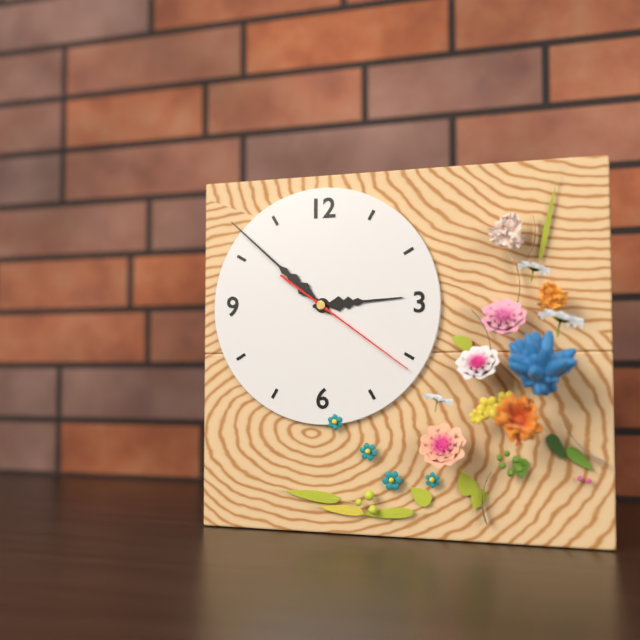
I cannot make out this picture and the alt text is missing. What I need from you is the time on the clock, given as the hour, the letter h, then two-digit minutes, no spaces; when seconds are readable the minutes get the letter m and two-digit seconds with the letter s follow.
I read 2h52m21s
